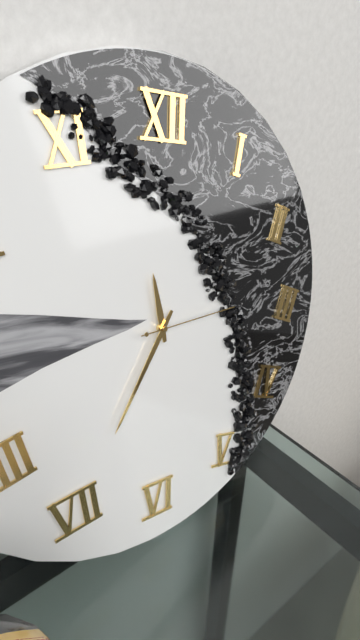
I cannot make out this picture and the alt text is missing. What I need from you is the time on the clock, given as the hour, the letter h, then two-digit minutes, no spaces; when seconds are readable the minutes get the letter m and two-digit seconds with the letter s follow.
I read 11h35m14s
